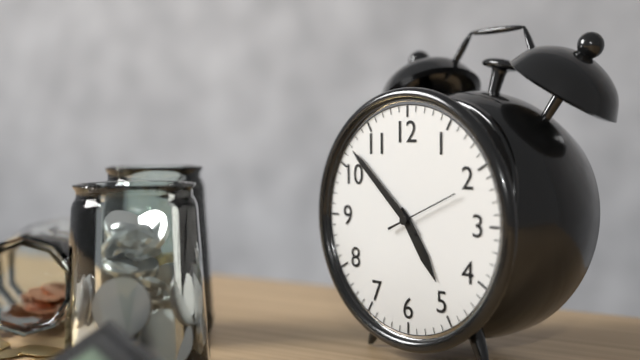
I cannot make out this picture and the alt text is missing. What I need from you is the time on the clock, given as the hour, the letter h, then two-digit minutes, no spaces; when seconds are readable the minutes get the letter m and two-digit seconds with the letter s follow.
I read 4h52m11s
